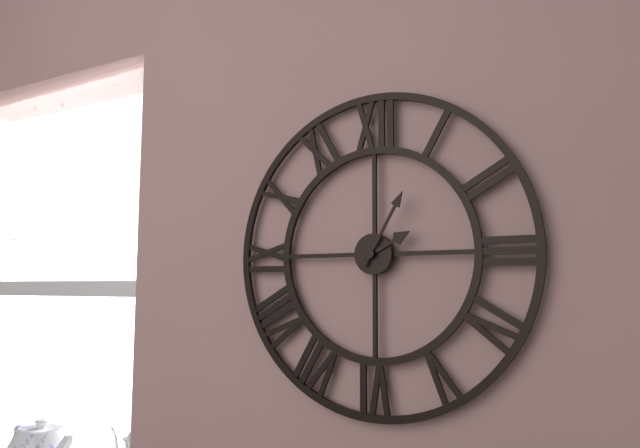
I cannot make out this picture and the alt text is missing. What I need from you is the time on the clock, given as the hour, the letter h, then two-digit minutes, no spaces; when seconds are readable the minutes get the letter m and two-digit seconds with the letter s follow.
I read 2h05
